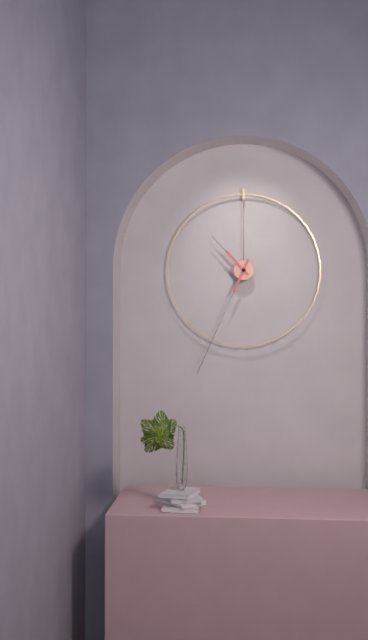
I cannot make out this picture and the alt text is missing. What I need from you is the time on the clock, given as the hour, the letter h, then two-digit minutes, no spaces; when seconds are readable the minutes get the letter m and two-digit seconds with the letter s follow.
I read 10h34
